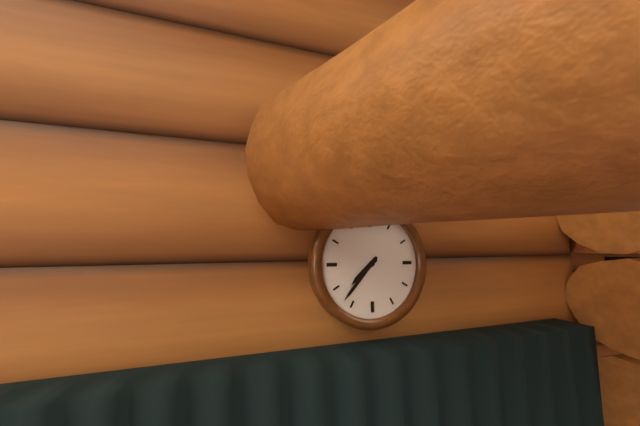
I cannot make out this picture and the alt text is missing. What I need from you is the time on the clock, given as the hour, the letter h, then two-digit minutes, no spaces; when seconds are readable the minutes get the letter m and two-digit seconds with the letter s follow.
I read 7h37
